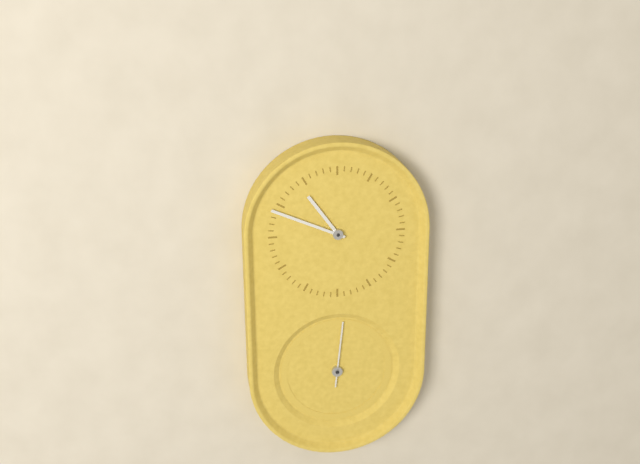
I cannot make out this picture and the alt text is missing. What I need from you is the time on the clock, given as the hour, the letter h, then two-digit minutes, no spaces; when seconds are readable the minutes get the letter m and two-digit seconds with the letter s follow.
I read 10h49m01s
